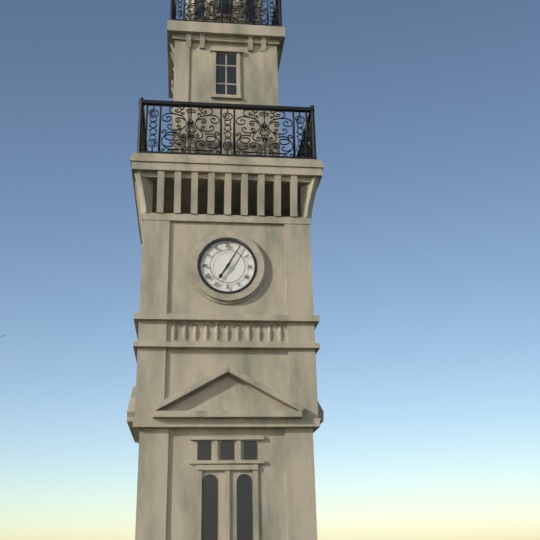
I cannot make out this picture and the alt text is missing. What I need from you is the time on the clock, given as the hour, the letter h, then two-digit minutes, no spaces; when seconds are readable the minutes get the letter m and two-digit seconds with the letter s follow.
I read 7h05
